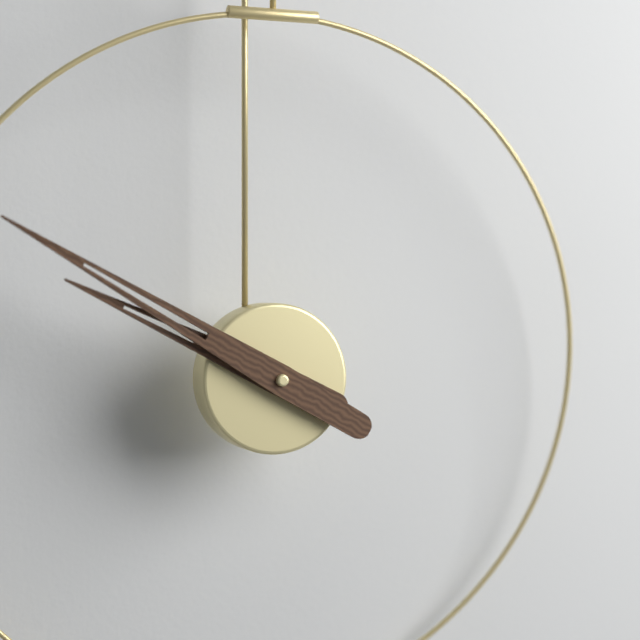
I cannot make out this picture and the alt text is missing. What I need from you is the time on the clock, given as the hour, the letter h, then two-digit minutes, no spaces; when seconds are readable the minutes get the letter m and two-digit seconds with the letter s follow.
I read 9h50
